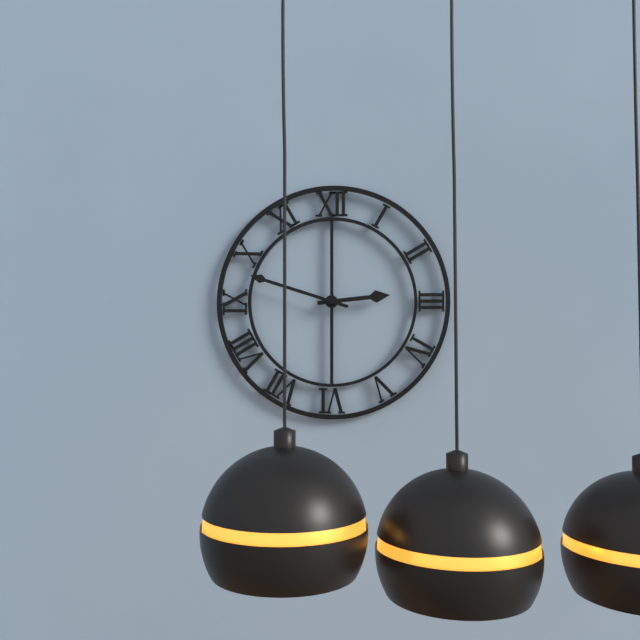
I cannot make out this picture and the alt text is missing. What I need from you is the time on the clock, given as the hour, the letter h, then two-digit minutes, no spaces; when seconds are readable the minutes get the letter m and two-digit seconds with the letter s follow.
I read 2h48
